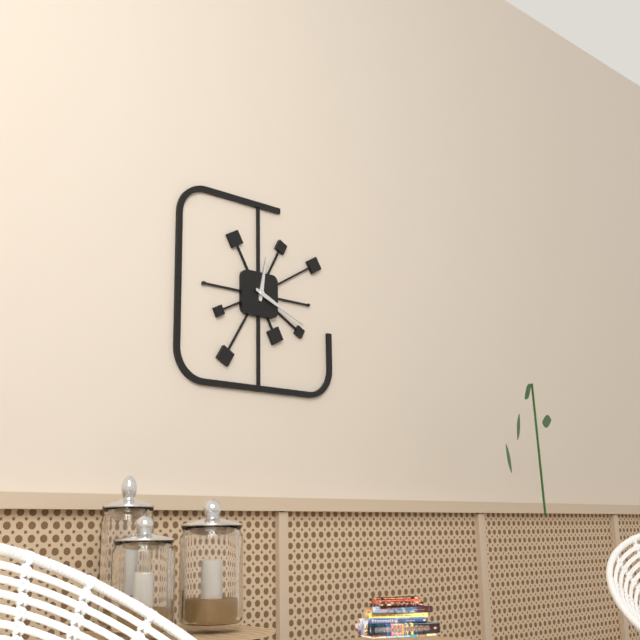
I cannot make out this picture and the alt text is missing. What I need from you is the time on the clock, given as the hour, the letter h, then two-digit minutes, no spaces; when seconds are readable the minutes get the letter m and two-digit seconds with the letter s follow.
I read 12h19
